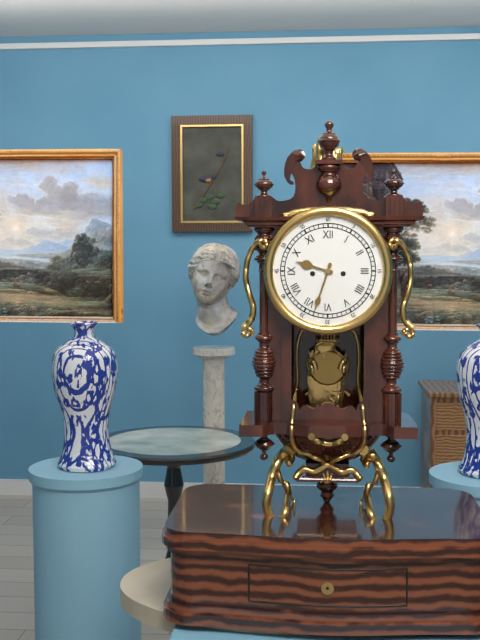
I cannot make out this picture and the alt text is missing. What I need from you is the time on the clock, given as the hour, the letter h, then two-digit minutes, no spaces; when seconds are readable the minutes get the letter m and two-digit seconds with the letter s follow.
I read 9h33
